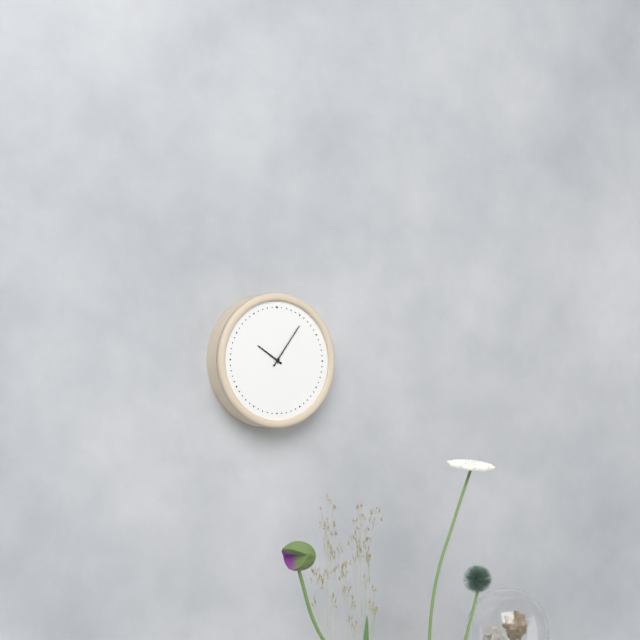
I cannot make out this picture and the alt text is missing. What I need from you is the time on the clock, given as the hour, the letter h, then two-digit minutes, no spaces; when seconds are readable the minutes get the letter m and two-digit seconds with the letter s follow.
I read 10h06
